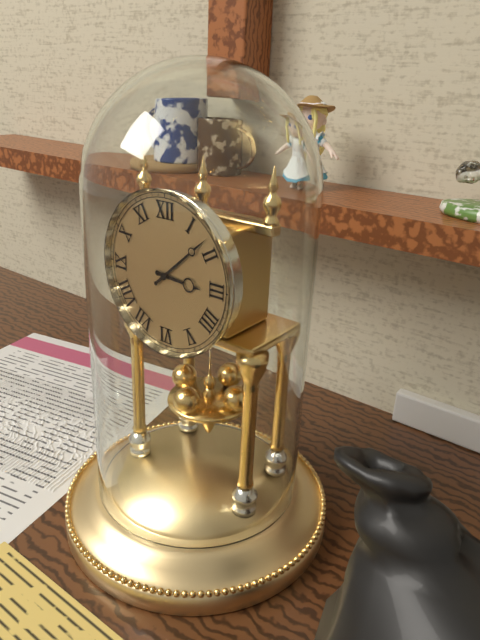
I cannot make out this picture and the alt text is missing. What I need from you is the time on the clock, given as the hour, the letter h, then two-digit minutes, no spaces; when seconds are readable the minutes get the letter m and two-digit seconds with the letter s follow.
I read 3h08
